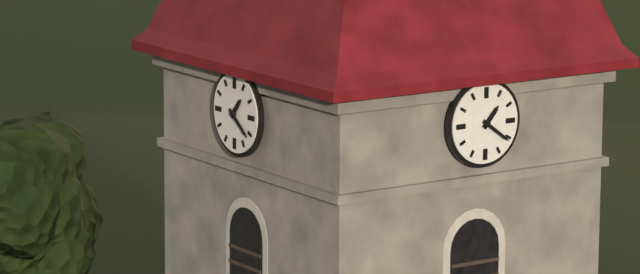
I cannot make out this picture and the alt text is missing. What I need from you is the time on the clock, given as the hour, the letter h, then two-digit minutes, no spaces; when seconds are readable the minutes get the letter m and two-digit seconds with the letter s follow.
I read 1h21
